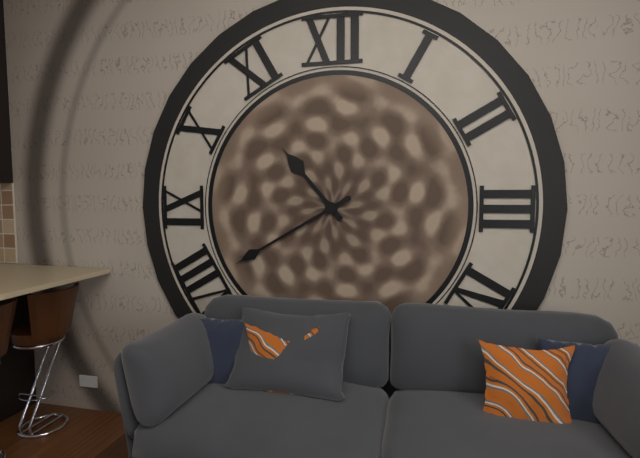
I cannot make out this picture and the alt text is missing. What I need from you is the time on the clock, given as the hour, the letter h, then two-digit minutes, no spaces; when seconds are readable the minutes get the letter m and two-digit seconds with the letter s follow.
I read 10h40
